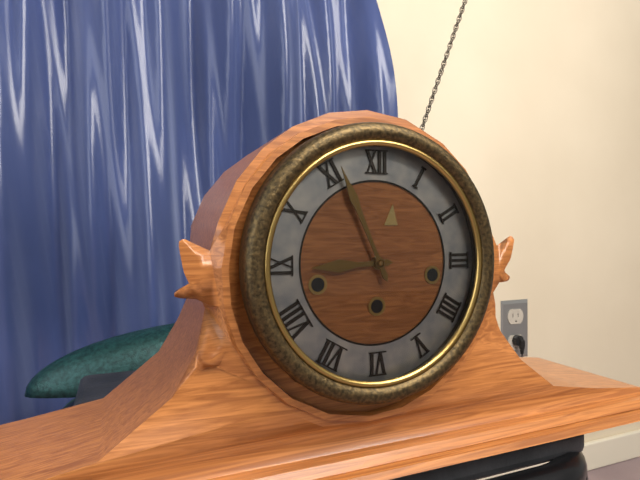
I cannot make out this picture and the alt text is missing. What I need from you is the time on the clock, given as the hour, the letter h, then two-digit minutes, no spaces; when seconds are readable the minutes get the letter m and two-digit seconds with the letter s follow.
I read 8h56
